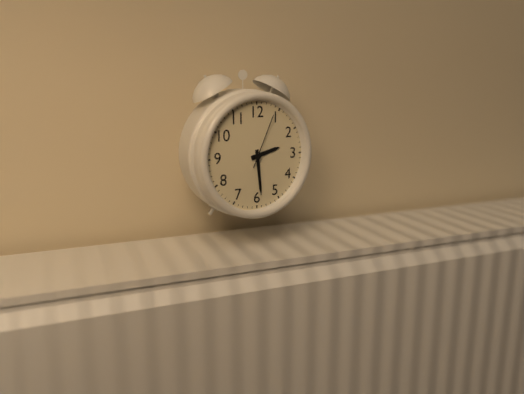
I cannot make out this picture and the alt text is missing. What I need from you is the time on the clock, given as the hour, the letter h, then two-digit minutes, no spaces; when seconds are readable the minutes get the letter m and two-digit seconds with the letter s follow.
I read 2h29m04s
